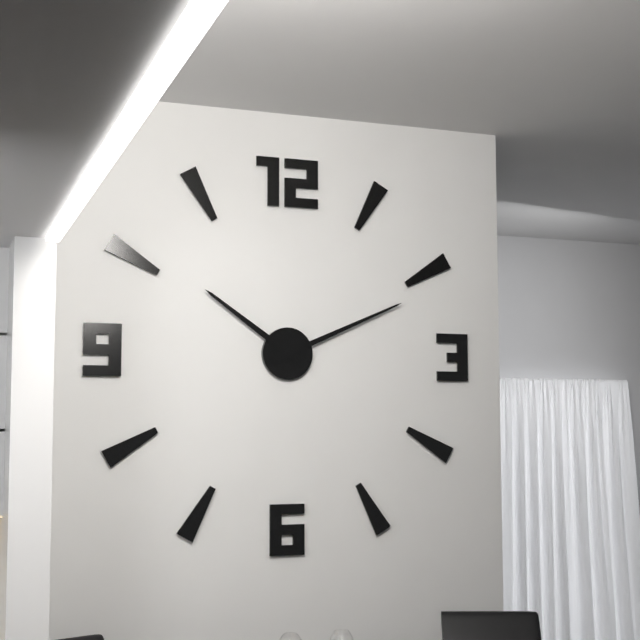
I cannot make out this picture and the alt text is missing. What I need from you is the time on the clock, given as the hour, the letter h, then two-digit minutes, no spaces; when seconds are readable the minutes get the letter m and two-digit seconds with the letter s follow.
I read 10h11
